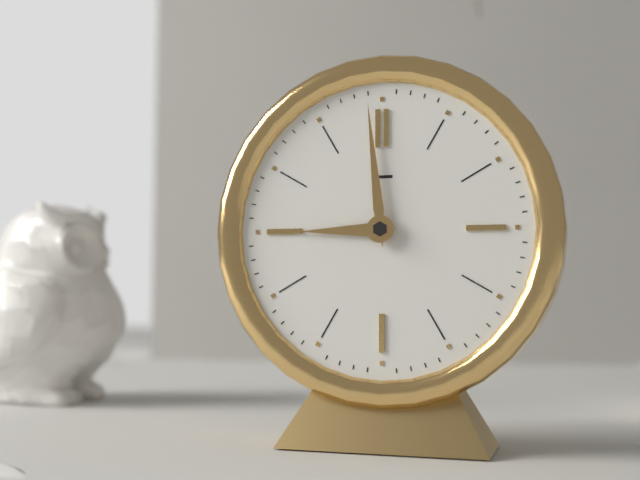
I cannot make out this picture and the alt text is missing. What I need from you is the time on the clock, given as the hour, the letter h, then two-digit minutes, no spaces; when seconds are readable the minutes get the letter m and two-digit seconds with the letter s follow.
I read 8h59
